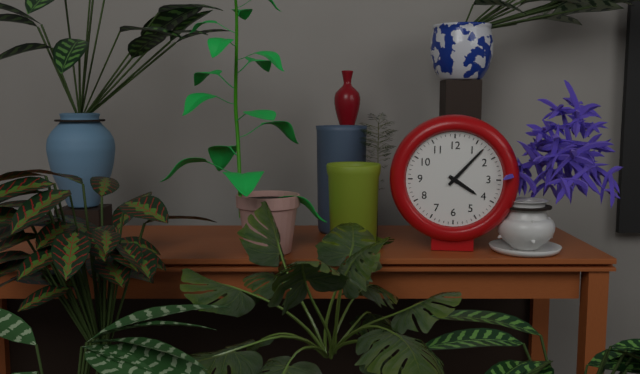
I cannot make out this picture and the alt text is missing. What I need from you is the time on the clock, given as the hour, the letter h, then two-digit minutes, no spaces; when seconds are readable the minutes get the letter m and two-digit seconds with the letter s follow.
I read 4h07
